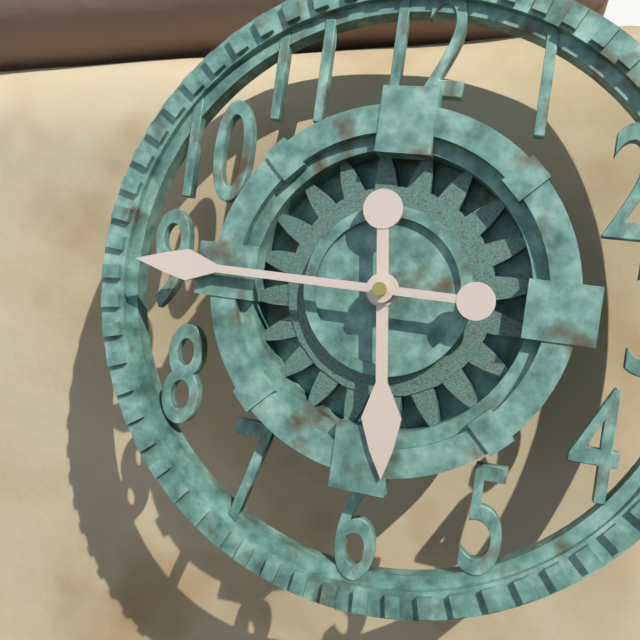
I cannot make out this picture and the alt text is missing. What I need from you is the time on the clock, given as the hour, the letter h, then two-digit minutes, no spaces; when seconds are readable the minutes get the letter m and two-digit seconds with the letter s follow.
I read 5h45
